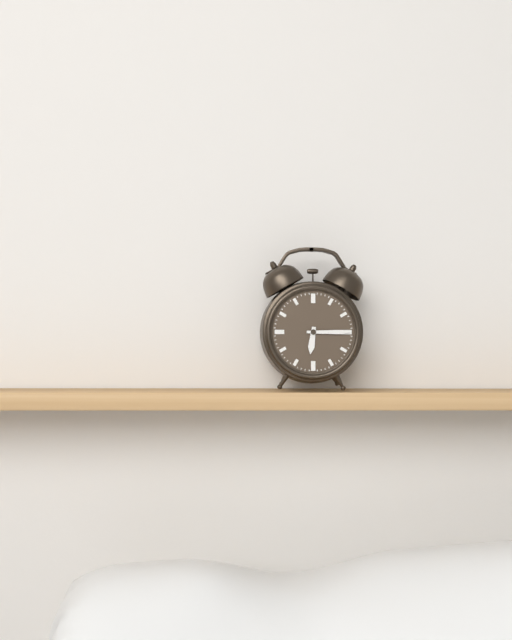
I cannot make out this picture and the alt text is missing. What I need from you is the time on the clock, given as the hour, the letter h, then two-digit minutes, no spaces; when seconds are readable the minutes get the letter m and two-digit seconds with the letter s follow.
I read 6h15
